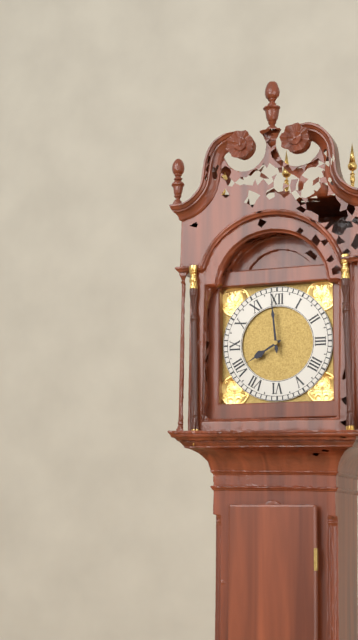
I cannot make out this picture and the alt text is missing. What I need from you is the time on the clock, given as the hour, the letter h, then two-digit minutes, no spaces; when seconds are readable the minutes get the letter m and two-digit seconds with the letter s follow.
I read 7h59
